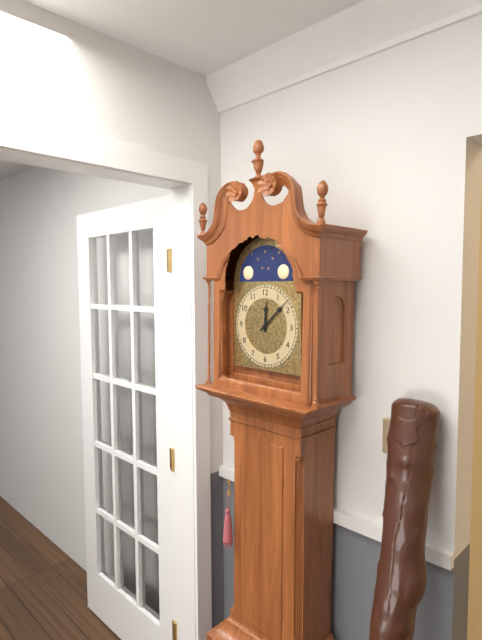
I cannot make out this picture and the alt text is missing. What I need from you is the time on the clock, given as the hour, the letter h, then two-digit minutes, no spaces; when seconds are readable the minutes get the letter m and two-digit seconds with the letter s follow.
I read 12h08
